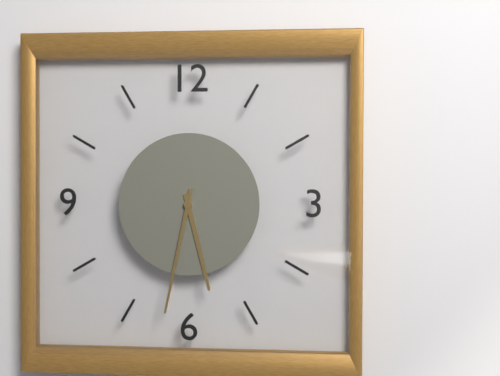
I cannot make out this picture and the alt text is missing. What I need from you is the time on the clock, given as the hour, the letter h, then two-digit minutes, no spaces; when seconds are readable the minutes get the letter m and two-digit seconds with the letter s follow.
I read 5h32
